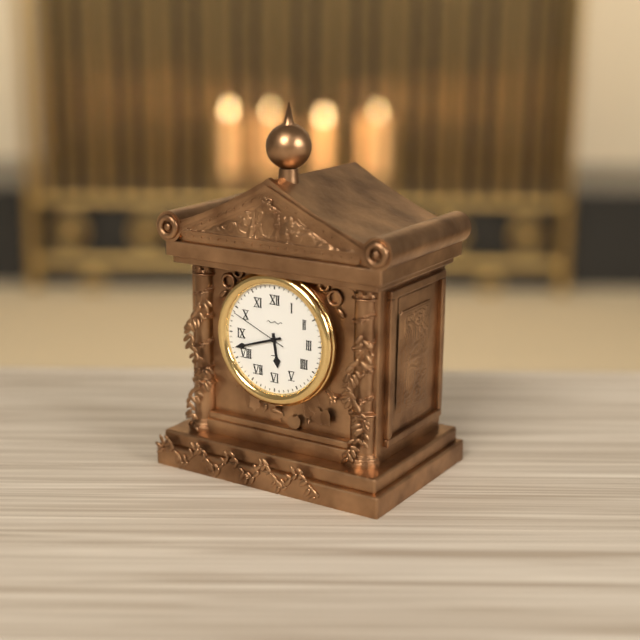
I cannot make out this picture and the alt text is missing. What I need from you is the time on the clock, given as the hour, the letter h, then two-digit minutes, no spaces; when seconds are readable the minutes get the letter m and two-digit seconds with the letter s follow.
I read 5h42m49s
